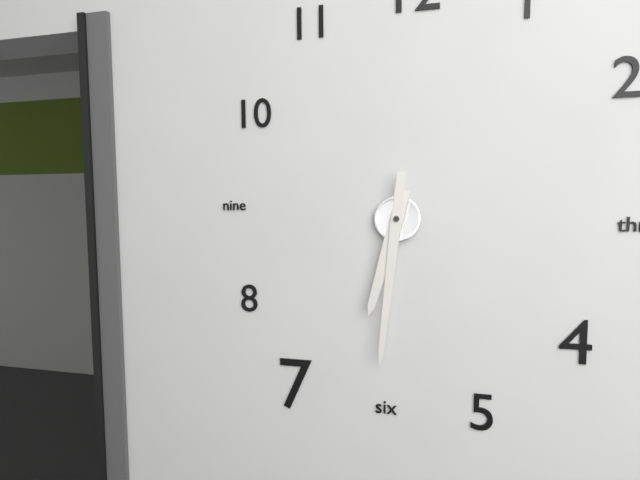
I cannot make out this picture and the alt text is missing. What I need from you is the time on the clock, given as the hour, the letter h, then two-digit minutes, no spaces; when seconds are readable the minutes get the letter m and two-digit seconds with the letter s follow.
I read 6h31
